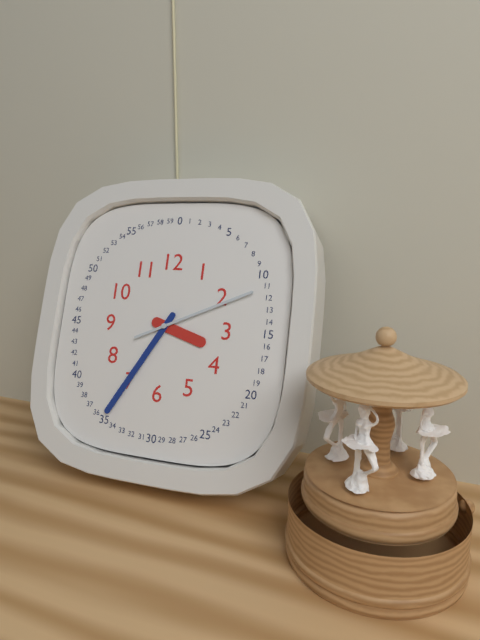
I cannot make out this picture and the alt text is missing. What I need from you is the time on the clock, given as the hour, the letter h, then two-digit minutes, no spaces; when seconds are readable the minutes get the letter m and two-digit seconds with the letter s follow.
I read 3h35m11s
